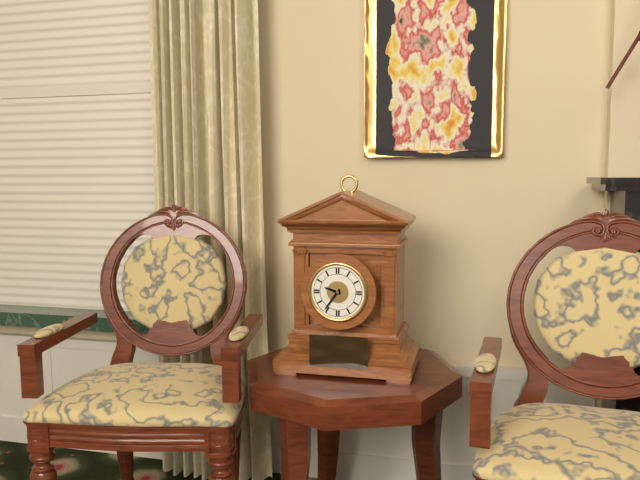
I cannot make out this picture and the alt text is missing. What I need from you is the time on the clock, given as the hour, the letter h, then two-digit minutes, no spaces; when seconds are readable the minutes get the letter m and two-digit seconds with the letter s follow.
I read 9h36
